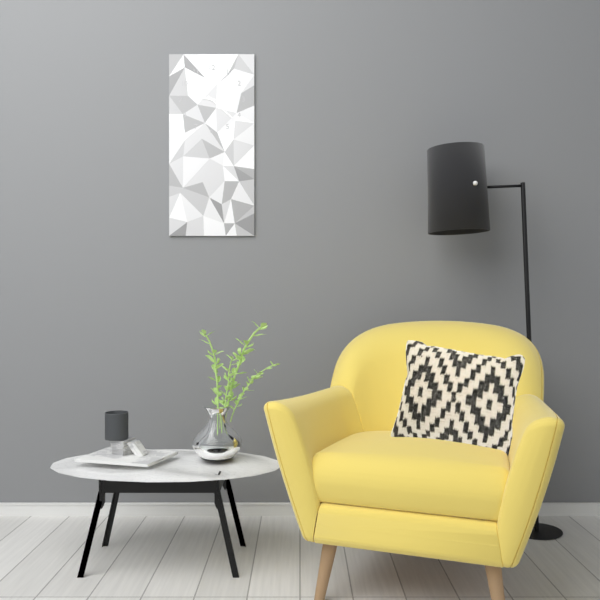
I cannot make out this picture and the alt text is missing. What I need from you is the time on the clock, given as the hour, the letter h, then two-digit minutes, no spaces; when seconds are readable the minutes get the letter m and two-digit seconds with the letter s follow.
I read 9h22
